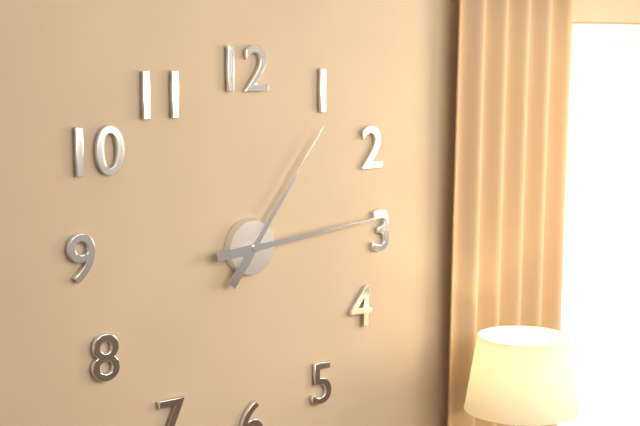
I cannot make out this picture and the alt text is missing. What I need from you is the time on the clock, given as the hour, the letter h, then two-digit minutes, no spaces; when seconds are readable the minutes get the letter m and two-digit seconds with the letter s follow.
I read 1h14
